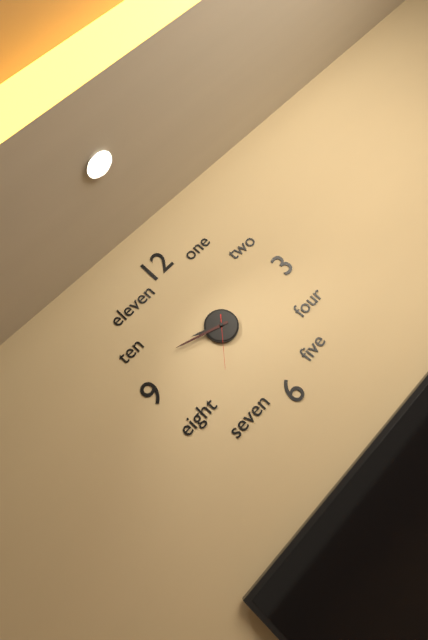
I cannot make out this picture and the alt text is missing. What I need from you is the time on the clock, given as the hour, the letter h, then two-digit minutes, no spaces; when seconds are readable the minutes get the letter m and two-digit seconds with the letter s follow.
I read 9h48m37s
